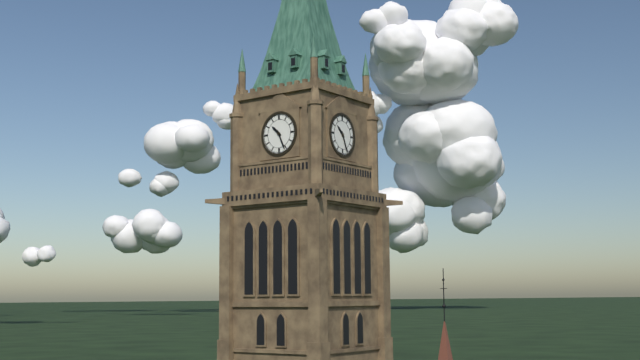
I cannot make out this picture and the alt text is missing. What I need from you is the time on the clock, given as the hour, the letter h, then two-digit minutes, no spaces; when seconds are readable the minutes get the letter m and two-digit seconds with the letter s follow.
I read 10h26
